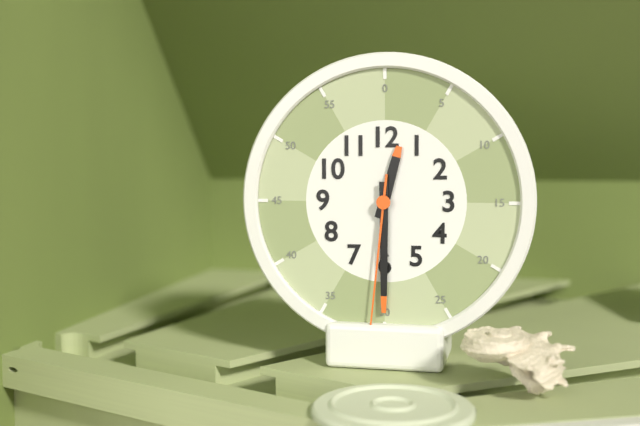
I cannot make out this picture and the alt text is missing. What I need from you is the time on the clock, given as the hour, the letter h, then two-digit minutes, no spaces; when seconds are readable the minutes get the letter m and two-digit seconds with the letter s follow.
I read 12h30m31s
